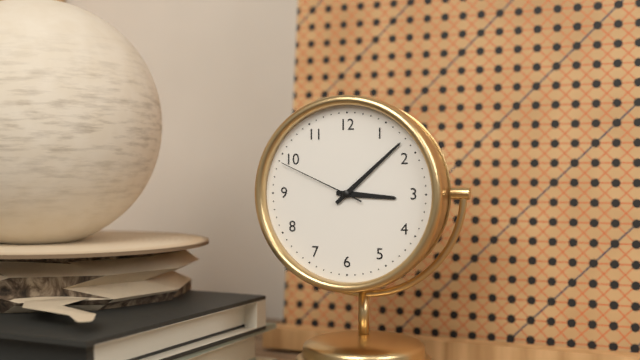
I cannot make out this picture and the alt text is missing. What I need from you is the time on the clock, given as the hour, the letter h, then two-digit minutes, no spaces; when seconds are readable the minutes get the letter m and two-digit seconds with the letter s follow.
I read 3h08m49s
